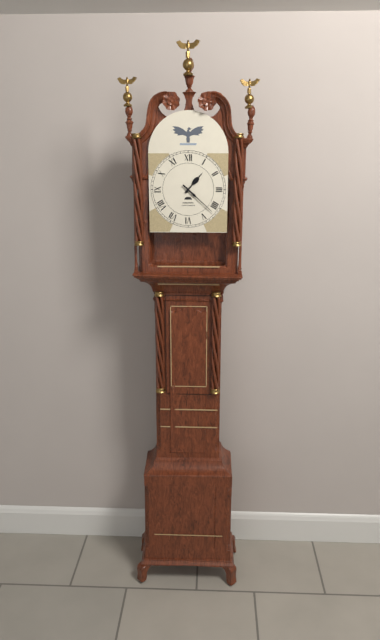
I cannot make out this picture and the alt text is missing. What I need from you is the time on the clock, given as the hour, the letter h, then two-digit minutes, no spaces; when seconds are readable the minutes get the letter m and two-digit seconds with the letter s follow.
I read 1h22
